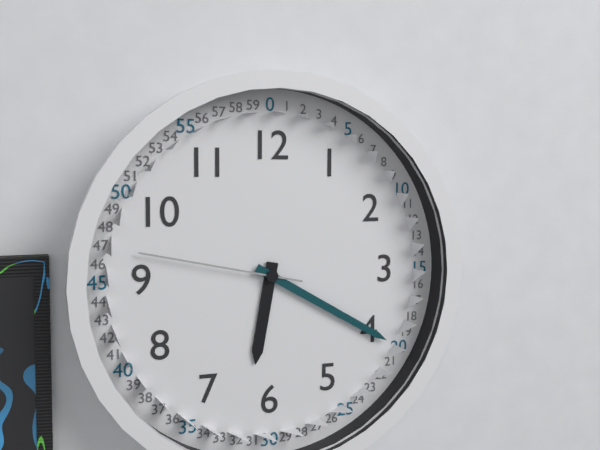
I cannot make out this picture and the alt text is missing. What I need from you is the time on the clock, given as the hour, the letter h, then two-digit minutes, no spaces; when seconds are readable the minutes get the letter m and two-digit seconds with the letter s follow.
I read 6h20m47s
